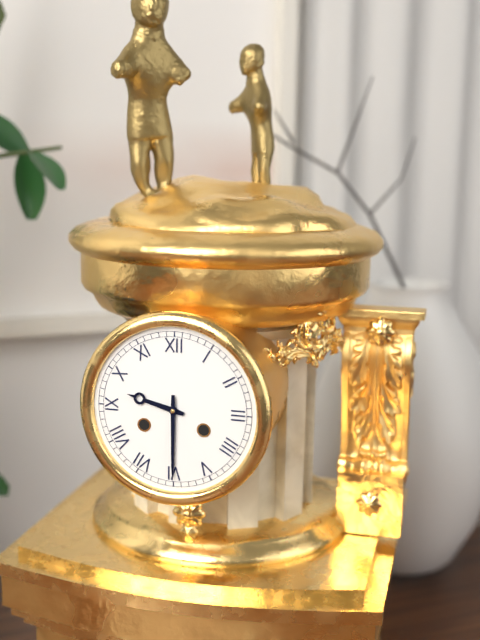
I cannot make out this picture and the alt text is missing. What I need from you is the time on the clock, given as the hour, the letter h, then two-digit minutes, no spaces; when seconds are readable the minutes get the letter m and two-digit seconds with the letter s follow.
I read 9h30
